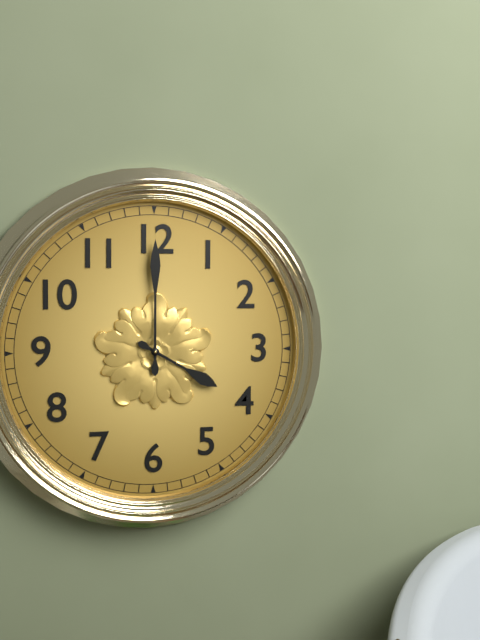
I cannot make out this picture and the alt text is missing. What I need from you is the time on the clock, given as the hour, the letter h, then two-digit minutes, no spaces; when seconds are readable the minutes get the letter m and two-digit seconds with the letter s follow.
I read 4h00
